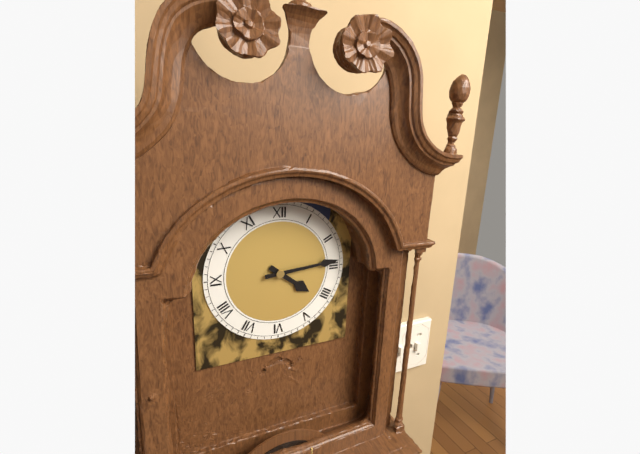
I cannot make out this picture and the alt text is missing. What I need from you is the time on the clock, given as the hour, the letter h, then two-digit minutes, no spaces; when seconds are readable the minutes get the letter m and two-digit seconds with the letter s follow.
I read 4h14
